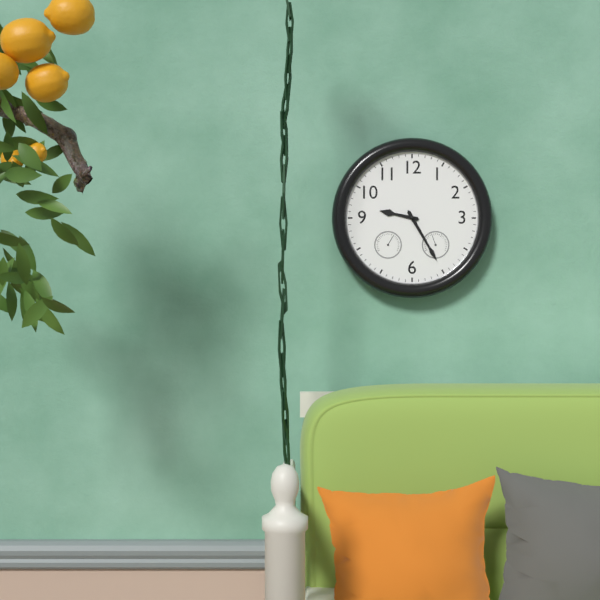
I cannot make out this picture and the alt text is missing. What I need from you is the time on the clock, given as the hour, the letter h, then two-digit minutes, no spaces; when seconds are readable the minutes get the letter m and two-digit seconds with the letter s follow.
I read 9h25
